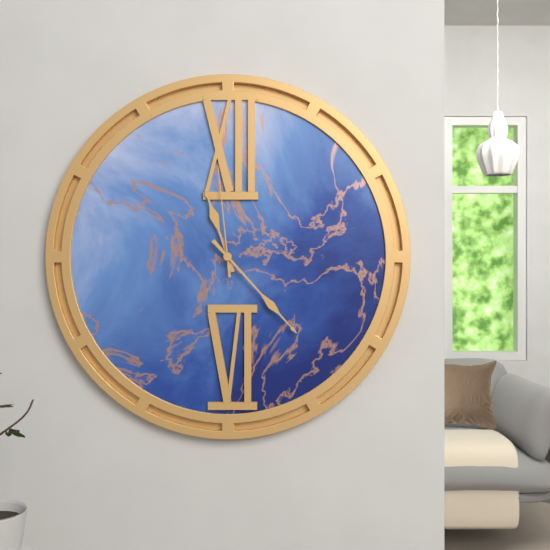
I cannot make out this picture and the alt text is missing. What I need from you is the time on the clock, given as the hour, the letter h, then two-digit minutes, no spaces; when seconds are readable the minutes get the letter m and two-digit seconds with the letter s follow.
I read 11h23m59s
